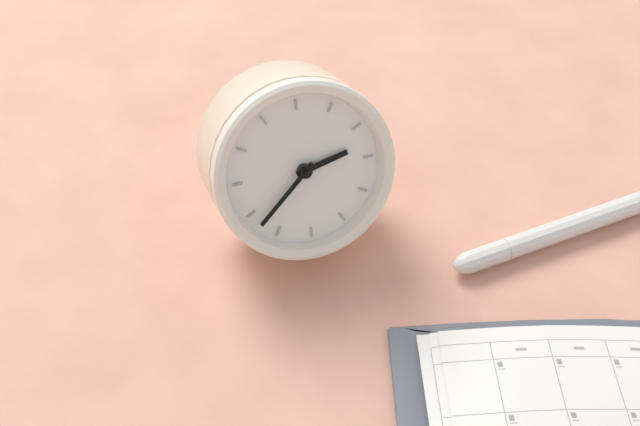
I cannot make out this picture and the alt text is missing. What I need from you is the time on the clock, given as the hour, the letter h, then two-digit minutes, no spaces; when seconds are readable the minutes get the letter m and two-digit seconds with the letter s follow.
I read 1h33
